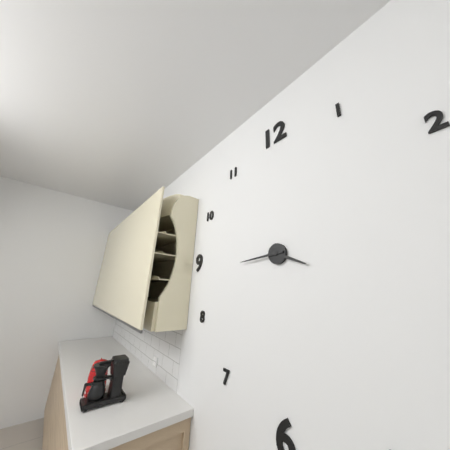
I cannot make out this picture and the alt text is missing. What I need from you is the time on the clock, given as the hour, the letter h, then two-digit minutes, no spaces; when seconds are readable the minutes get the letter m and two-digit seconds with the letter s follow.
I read 3h44
